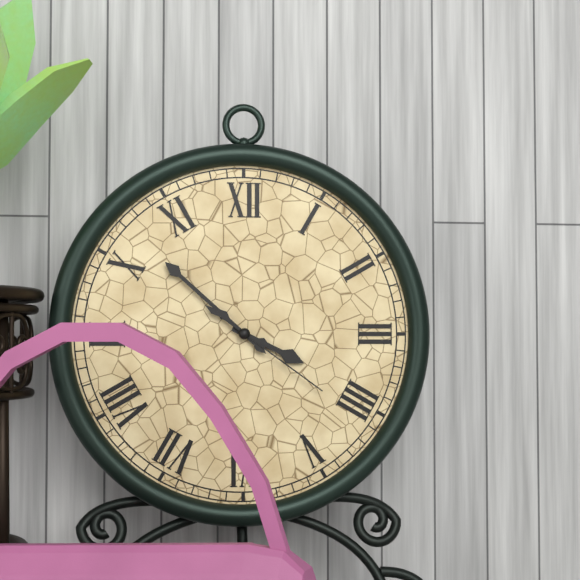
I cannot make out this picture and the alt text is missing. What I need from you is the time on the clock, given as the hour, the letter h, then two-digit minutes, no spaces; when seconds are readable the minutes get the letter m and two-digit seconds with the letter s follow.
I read 3h52m21s
